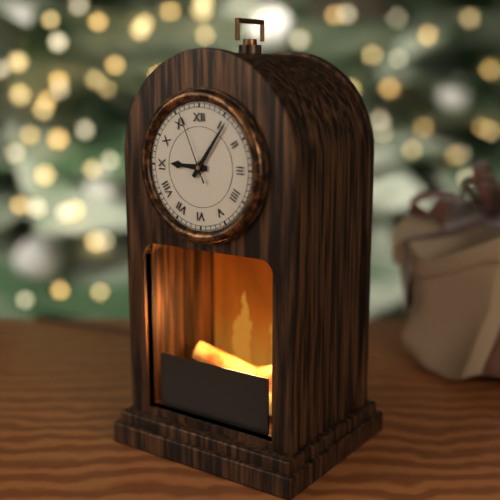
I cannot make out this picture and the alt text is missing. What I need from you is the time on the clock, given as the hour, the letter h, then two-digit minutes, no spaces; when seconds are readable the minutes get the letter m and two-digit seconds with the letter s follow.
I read 9h06m56s
